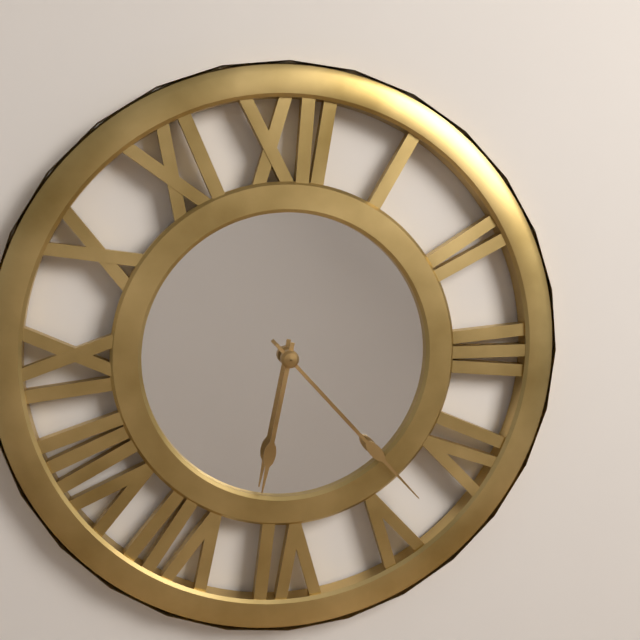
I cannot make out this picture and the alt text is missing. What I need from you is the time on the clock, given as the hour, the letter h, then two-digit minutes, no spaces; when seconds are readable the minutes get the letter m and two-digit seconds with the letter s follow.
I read 6h23
